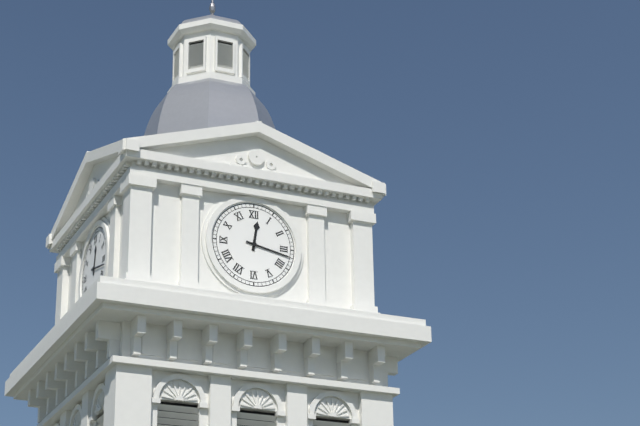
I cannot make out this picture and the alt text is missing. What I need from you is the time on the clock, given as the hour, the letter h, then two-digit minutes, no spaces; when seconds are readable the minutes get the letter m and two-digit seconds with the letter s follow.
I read 12h17
